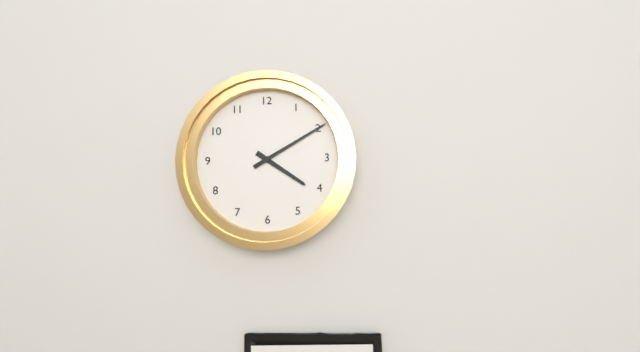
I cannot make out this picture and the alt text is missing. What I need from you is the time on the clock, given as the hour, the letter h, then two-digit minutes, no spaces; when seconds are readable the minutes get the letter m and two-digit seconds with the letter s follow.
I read 4h10
